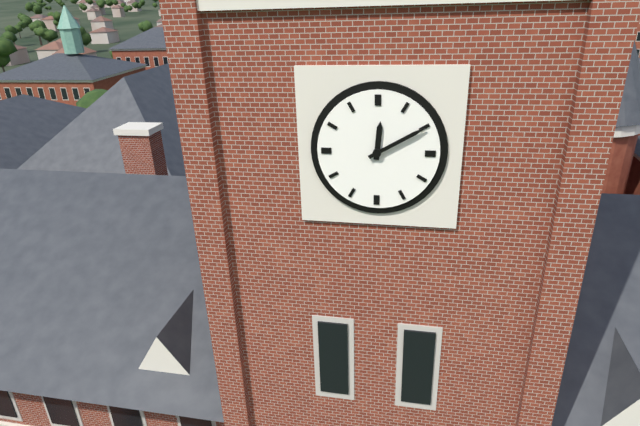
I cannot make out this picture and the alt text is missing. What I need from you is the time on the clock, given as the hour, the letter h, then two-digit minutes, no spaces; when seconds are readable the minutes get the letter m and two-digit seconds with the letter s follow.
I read 12h10
